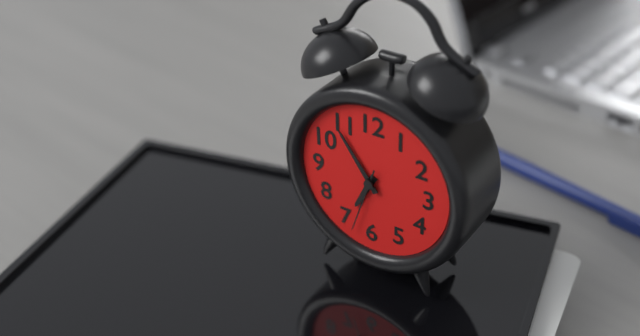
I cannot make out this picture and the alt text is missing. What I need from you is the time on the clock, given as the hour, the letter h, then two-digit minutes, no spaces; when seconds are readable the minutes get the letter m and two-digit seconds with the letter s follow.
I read 6h54m33s
